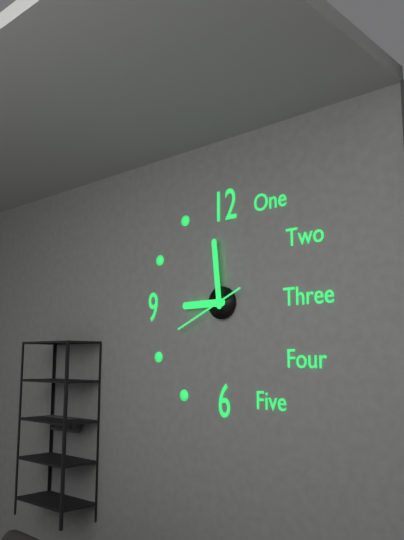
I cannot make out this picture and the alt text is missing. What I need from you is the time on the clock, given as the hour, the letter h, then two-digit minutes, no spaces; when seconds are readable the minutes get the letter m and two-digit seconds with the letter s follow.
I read 8h59m41s
